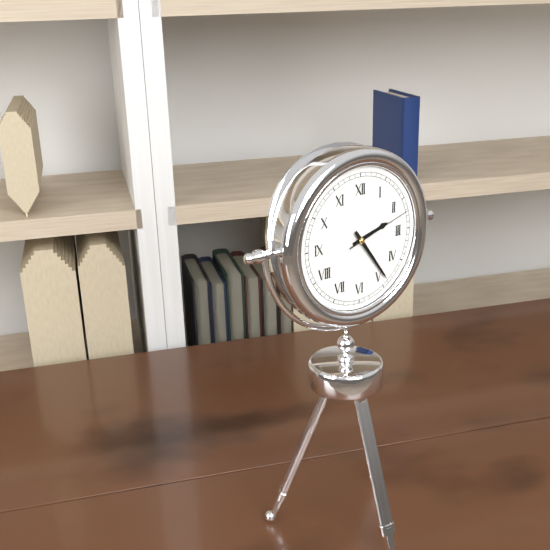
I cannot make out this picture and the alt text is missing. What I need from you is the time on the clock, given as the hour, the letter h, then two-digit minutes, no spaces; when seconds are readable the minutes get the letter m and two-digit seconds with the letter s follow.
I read 2h24m12s
